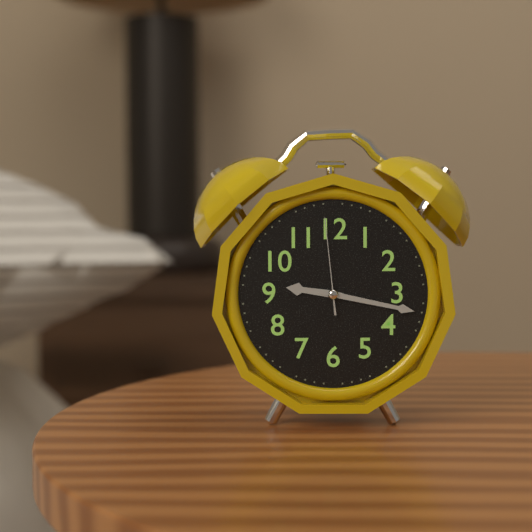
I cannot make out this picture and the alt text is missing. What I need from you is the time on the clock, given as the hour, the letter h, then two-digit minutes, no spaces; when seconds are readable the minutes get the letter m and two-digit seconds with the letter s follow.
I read 9h17m59s
